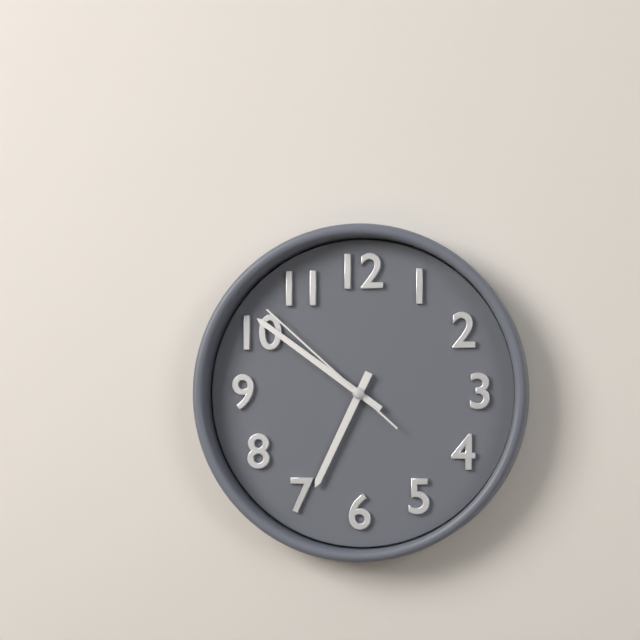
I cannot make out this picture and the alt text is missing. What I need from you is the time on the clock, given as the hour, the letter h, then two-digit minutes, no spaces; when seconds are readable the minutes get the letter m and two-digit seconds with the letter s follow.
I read 6h51m52s
